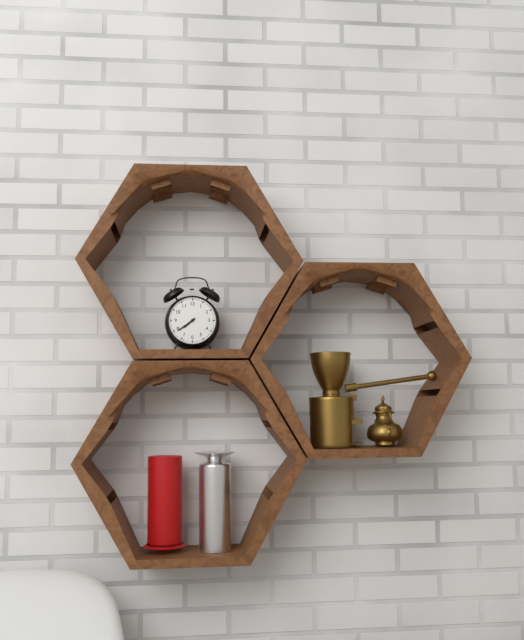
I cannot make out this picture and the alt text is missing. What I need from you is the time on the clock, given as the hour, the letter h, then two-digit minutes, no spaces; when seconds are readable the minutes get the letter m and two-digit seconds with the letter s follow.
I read 7h39
